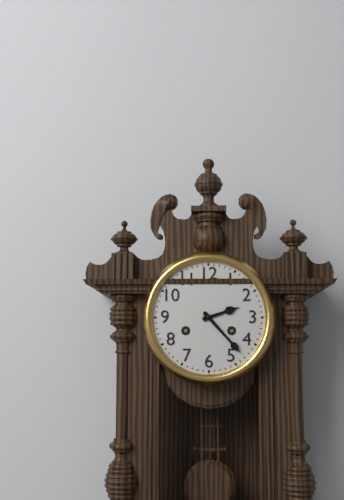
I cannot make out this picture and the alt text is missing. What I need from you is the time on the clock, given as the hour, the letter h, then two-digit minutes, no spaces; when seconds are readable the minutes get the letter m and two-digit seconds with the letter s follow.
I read 2h23
